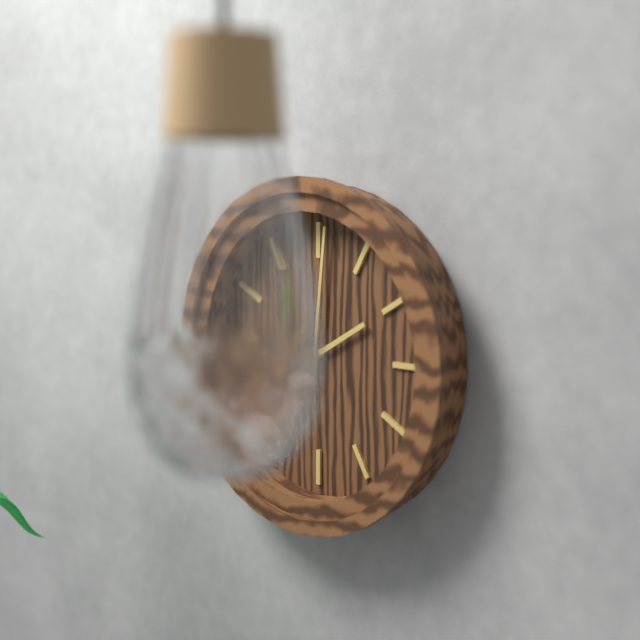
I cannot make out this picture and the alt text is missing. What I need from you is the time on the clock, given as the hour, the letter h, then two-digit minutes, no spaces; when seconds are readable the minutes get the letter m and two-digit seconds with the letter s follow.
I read 2h01
